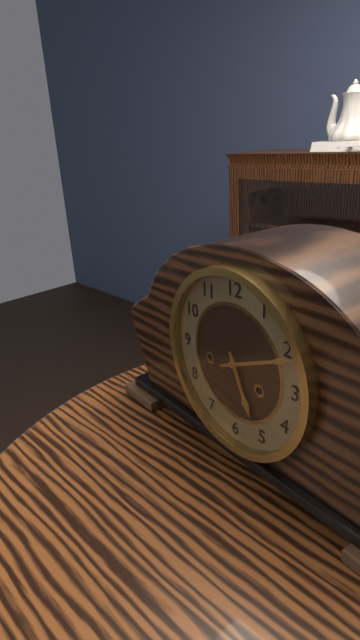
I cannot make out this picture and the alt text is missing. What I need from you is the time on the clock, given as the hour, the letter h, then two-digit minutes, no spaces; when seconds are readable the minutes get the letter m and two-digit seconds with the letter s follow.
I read 5h11
